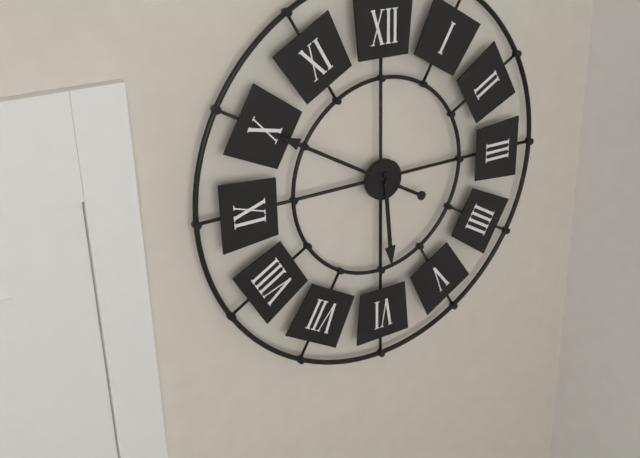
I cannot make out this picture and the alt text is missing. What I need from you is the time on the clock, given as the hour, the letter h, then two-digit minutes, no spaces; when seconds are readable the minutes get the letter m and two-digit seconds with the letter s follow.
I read 5h50
